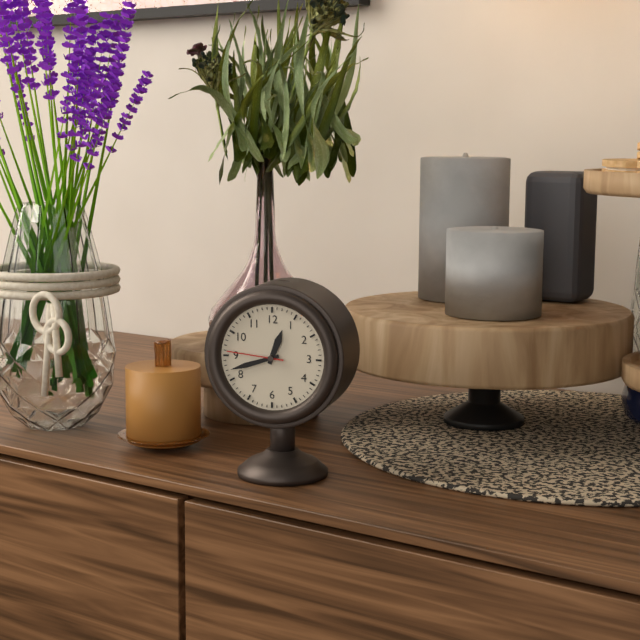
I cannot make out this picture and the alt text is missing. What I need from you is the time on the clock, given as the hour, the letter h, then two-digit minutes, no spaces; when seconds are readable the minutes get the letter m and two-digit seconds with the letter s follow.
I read 12h42m46s
